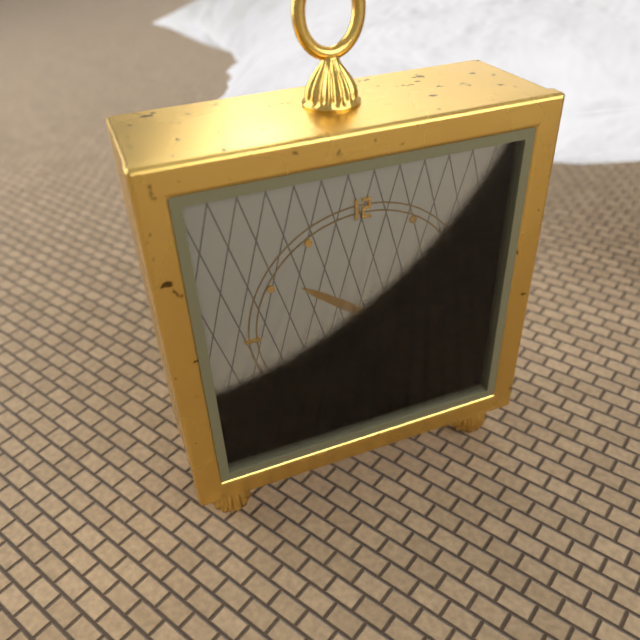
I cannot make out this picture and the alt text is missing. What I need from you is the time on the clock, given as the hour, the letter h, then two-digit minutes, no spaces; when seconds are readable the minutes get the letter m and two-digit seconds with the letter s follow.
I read 10h13
